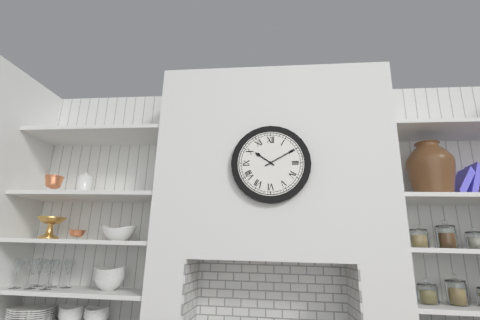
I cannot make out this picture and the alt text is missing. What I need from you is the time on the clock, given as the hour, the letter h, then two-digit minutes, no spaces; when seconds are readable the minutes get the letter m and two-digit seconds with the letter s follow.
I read 10h10
